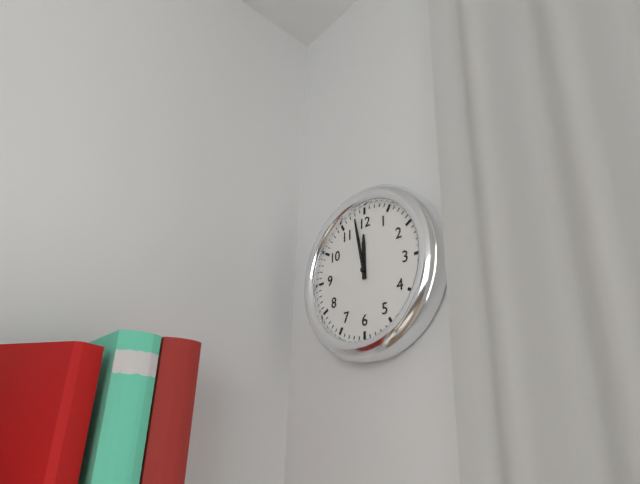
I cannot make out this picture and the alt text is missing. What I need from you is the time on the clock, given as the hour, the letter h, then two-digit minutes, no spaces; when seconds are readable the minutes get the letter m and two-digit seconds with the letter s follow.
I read 11h58
